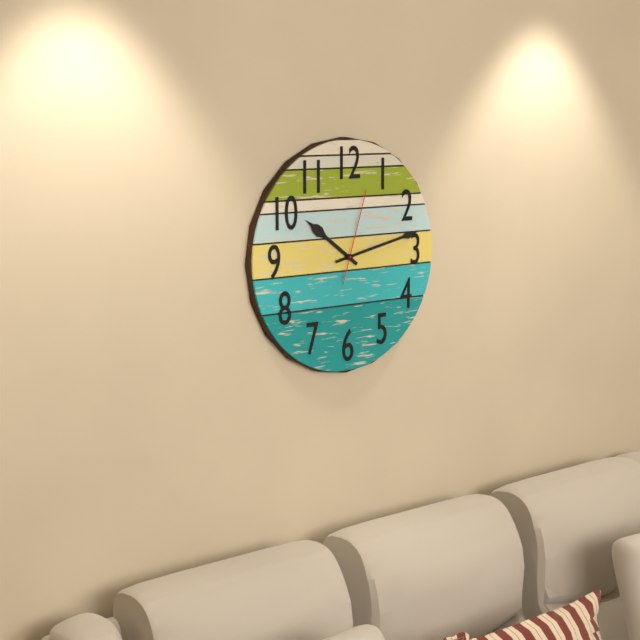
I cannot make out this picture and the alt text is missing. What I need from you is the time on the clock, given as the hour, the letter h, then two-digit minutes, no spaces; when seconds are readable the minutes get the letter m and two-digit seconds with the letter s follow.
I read 10h13m03s
